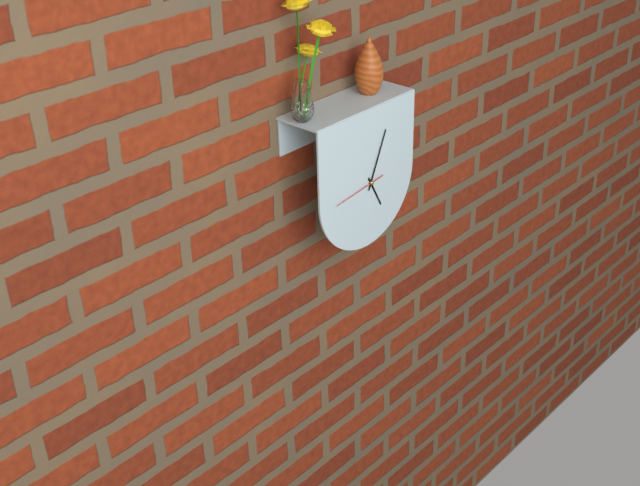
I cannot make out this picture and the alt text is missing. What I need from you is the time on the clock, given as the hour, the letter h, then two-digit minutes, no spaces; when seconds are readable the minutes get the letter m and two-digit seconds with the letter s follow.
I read 5h04m44s
